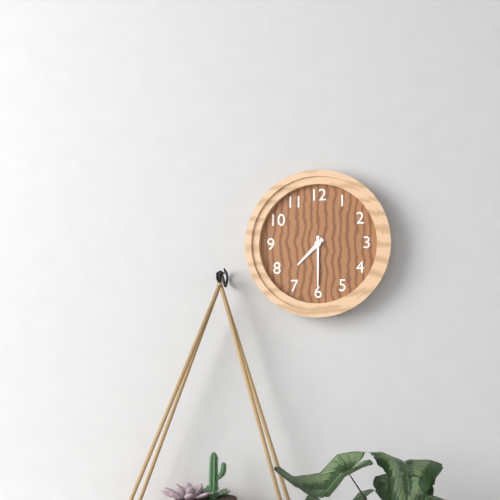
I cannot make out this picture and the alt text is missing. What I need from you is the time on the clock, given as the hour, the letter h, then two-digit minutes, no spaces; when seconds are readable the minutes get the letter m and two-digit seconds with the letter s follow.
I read 7h30
